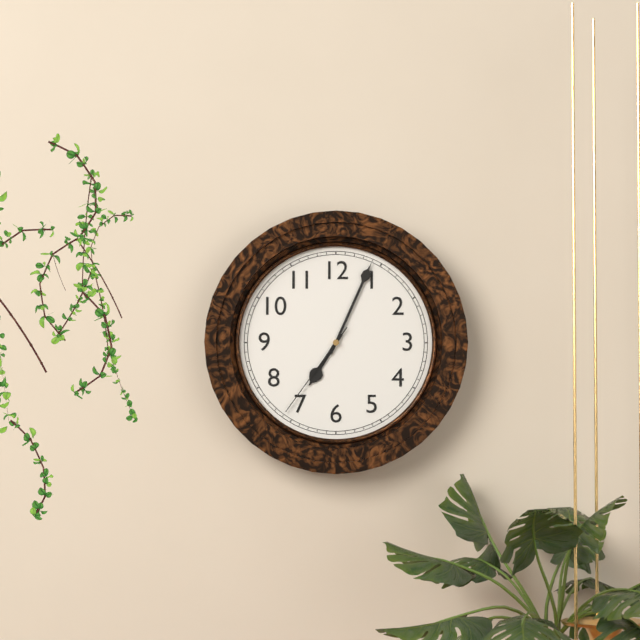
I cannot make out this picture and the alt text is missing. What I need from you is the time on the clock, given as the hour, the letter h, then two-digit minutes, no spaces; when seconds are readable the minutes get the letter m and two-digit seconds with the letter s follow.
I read 7h04m36s
